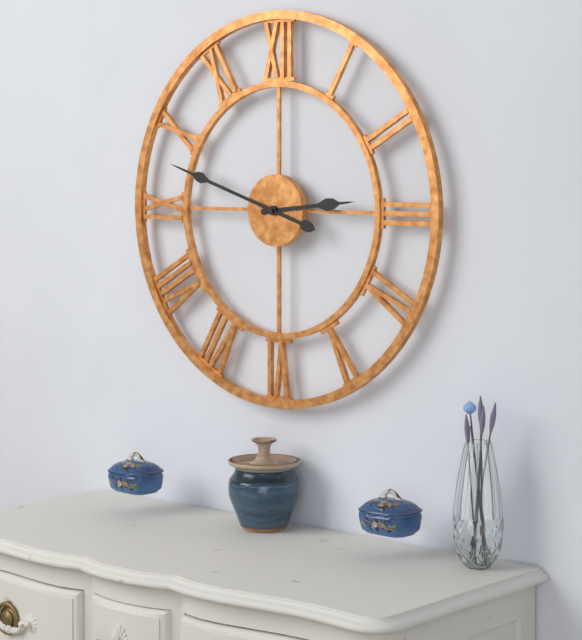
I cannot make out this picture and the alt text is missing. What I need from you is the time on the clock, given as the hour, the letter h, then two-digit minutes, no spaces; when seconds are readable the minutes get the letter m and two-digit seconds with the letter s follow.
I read 2h48
